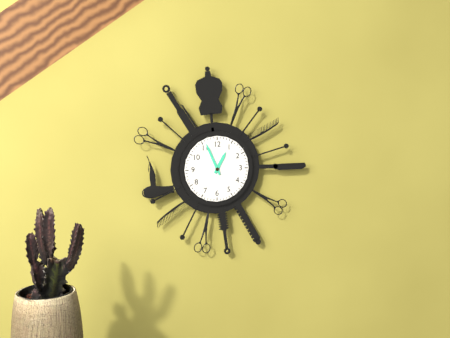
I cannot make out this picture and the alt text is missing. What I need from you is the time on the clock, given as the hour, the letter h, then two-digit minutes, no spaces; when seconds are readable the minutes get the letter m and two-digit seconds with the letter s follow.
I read 12h56
